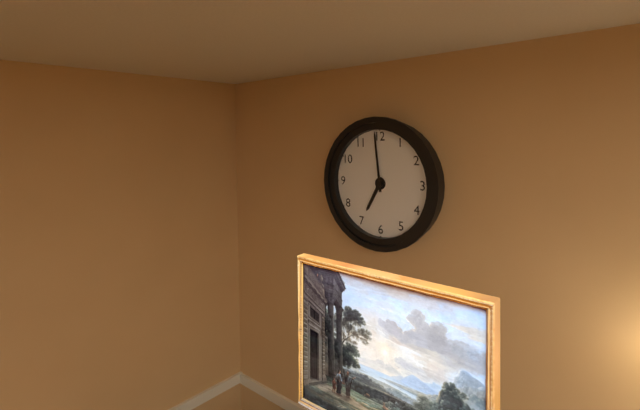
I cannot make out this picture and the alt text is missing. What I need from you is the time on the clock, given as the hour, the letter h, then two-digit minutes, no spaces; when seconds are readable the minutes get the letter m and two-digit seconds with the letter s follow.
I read 6h59
